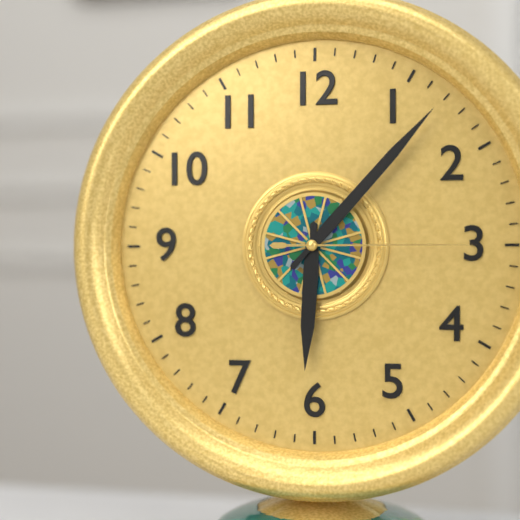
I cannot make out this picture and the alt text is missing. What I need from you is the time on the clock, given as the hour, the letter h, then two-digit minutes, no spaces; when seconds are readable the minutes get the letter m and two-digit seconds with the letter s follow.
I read 6h07m15s
